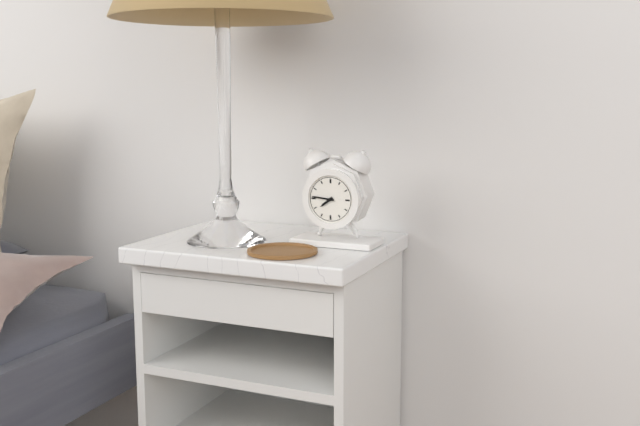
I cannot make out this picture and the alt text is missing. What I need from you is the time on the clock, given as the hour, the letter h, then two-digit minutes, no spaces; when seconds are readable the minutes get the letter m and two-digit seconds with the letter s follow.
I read 7h46
